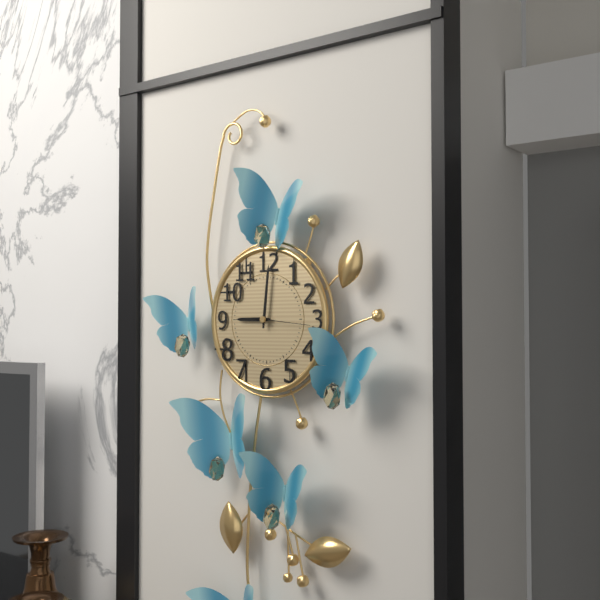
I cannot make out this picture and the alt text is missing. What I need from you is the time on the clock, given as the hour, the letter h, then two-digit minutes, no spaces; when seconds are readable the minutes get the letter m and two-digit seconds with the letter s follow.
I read 9h01m16s
